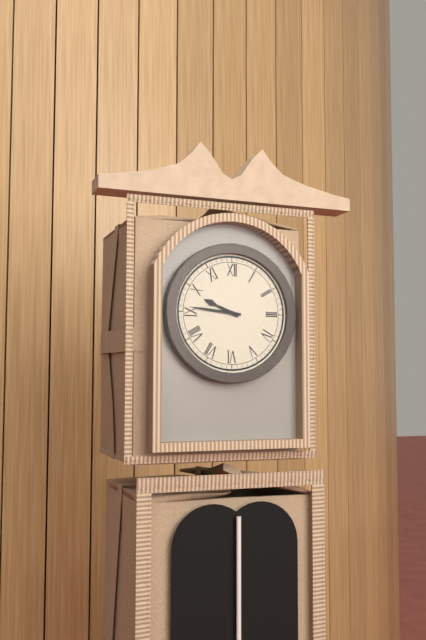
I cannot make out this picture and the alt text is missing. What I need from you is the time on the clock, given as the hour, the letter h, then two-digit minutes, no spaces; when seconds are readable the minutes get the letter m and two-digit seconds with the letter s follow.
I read 9h46
